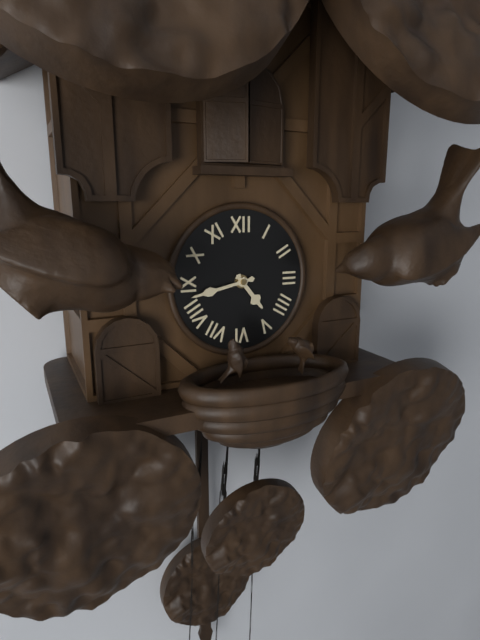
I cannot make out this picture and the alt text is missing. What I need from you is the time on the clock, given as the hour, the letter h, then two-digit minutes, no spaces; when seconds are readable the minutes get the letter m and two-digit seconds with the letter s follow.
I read 4h43
